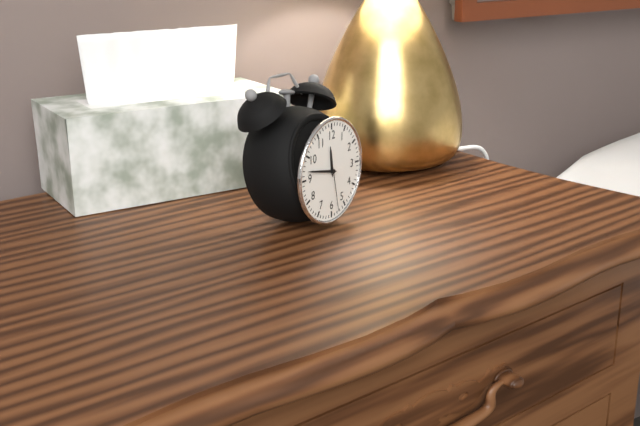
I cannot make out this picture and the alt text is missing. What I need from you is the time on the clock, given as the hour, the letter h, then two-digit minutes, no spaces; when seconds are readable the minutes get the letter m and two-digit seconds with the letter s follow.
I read 11h47m28s
